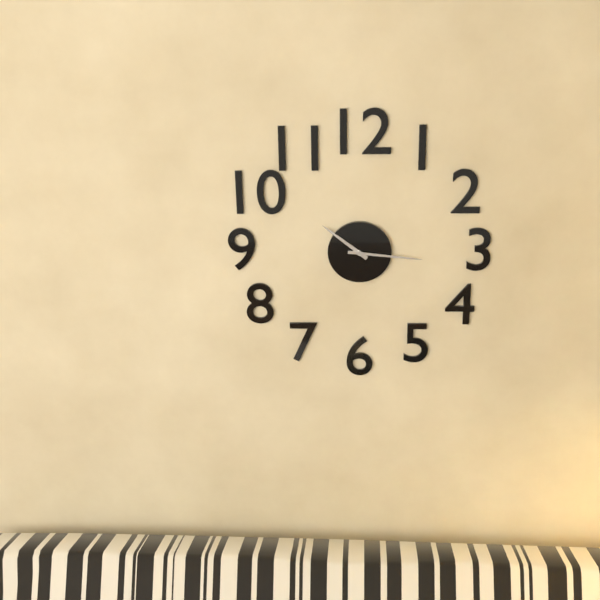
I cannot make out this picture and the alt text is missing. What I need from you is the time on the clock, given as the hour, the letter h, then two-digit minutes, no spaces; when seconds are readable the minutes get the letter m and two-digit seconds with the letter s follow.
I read 10h16
